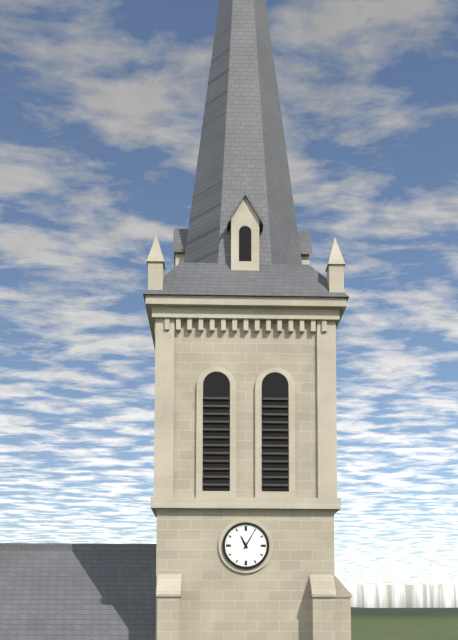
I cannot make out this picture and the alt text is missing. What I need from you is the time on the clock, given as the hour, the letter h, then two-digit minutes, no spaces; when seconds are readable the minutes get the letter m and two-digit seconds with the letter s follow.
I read 11h05
